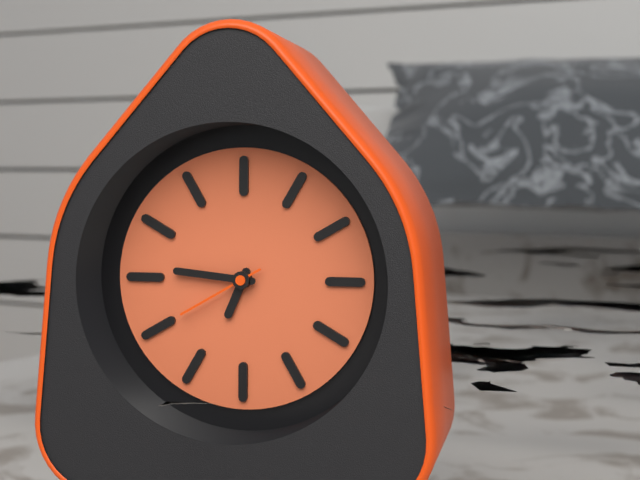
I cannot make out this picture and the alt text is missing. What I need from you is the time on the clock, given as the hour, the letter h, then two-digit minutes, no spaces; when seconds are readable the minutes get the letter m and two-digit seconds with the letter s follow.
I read 6h46m40s
